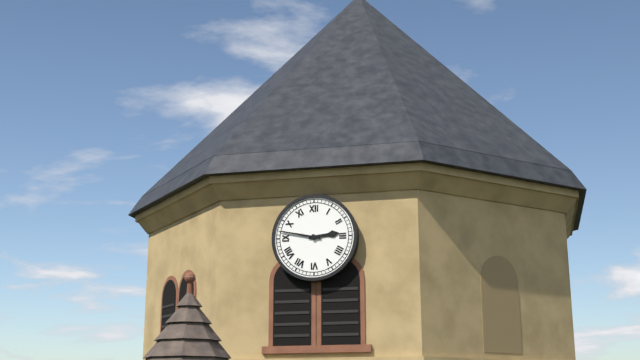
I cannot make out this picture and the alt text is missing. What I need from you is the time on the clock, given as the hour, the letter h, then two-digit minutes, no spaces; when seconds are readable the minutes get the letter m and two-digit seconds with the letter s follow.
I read 2h47
